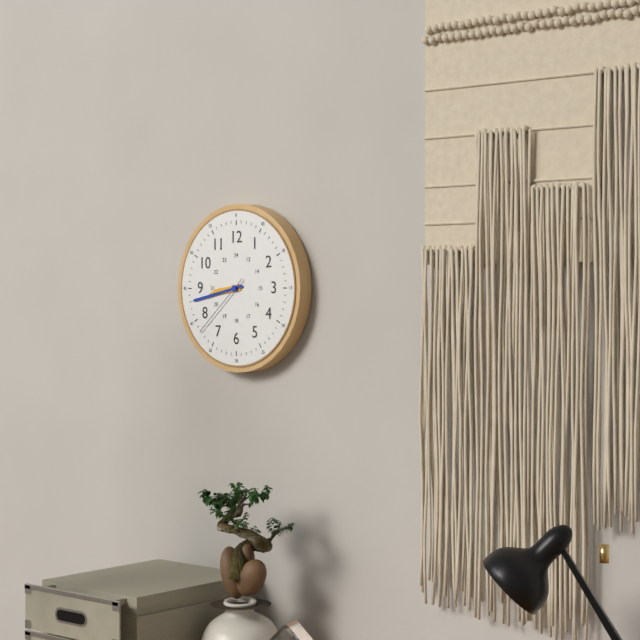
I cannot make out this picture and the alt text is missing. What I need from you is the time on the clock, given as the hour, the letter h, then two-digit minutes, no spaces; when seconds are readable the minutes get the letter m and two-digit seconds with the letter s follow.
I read 8h43m38s
